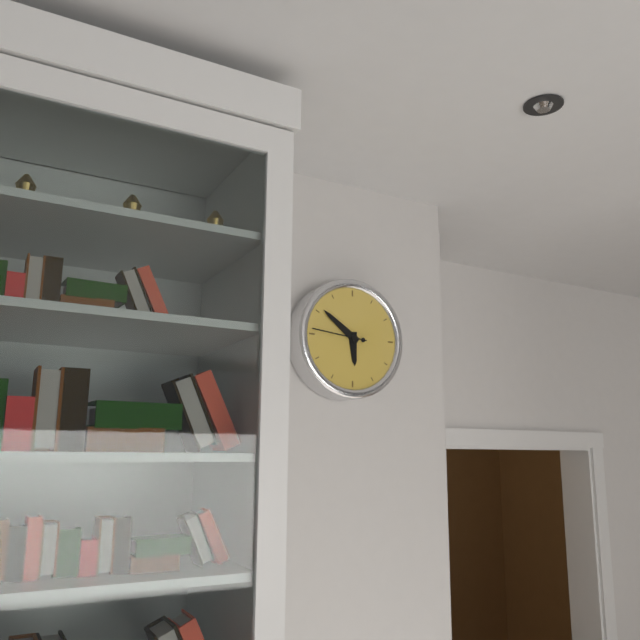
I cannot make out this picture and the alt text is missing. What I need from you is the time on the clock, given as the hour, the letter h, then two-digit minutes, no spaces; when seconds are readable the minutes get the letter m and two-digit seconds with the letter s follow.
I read 5h51m46s
